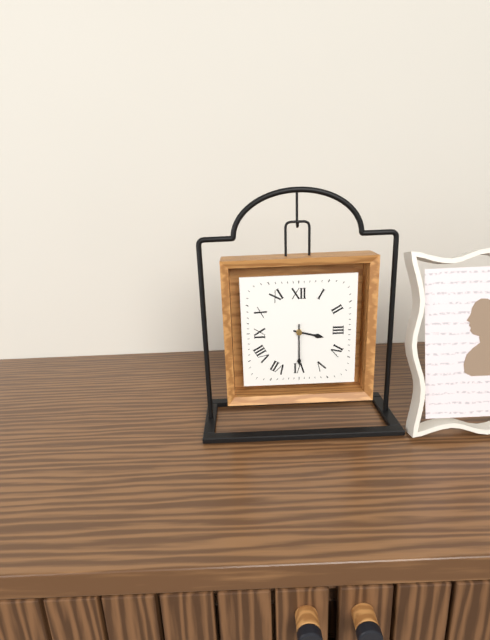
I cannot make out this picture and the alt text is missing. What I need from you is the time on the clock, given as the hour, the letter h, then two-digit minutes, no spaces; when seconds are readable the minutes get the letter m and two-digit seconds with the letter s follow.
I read 3h30
